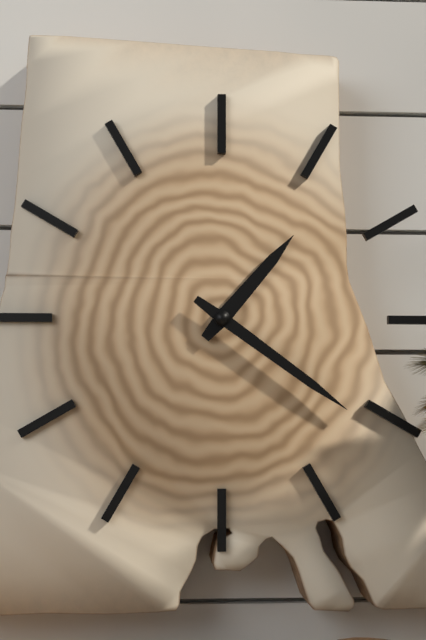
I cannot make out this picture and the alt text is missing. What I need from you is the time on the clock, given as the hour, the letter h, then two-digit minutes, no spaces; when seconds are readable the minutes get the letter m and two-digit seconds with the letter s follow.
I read 1h21
